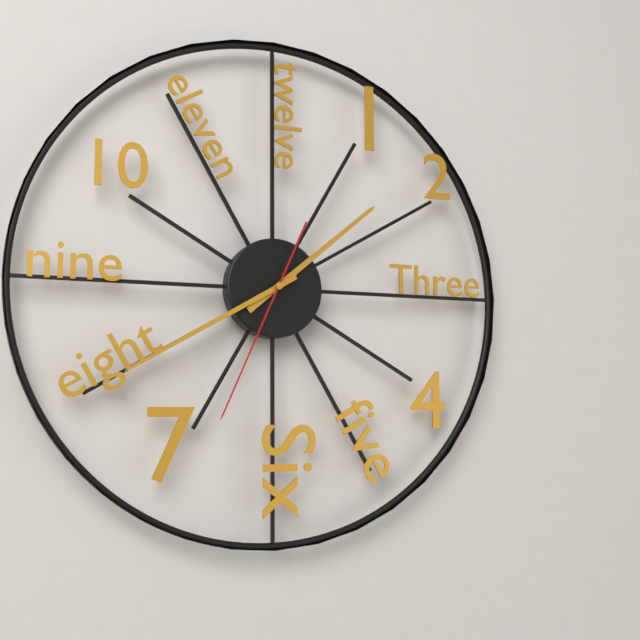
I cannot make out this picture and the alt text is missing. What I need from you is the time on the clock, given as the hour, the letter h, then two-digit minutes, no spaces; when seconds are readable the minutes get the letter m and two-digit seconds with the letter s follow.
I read 1h40m34s
